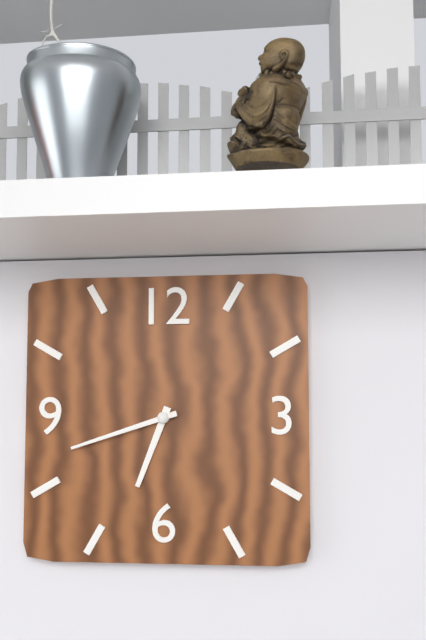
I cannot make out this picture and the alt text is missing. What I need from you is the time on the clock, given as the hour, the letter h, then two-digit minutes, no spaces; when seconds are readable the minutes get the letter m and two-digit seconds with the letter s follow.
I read 6h42
